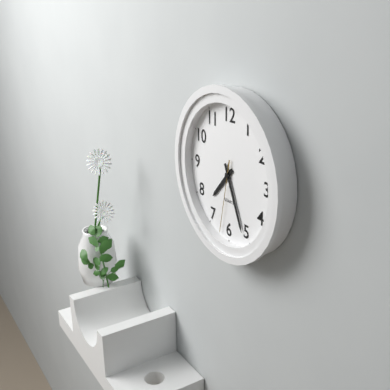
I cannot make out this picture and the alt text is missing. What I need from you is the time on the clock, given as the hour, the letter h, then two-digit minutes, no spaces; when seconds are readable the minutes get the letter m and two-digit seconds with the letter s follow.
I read 7h26m32s
